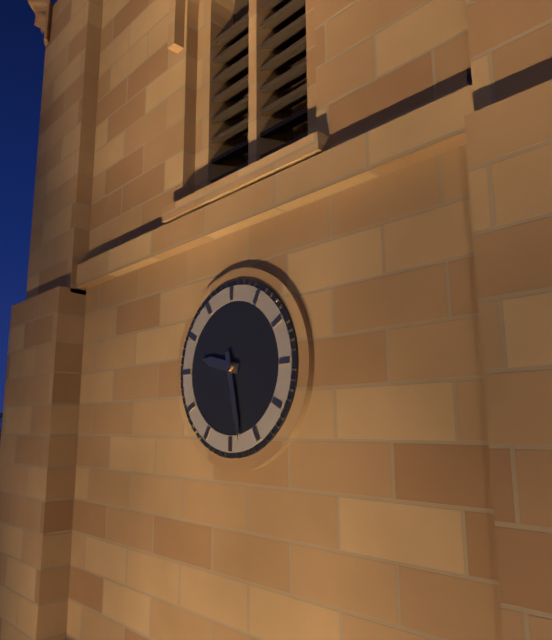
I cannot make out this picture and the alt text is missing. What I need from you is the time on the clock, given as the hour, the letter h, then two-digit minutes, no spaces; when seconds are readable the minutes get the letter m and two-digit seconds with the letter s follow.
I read 9h28
